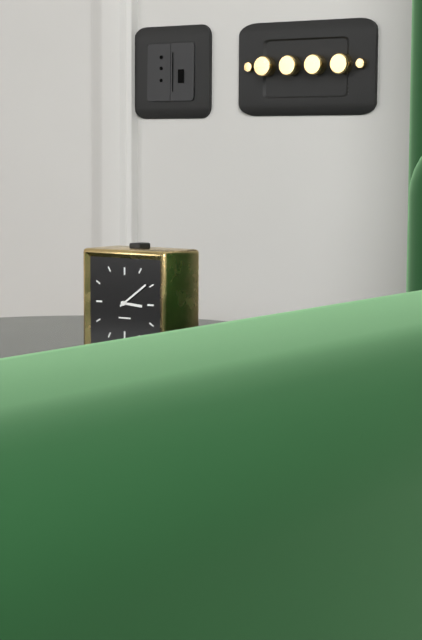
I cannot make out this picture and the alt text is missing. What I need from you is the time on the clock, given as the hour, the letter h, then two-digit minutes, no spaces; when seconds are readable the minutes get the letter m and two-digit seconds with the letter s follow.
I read 3h09
